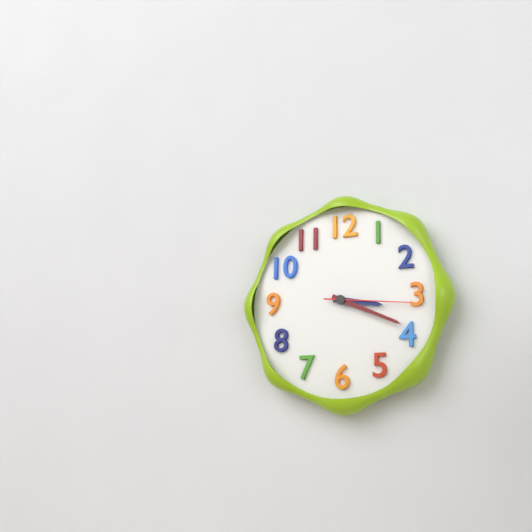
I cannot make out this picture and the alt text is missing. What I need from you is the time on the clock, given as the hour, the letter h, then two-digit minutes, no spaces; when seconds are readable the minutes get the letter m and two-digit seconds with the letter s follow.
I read 3h19m16s
